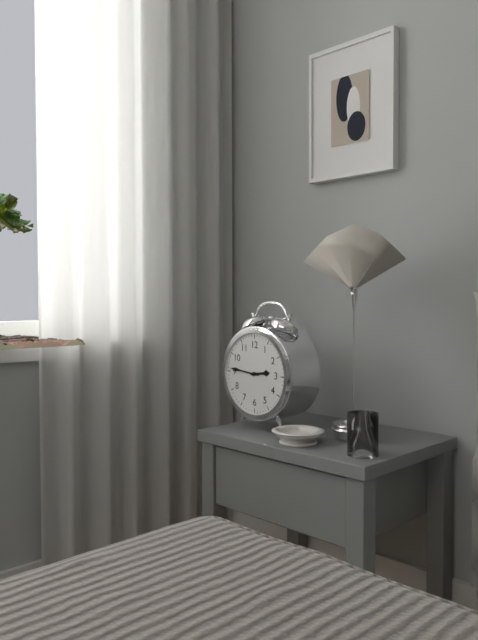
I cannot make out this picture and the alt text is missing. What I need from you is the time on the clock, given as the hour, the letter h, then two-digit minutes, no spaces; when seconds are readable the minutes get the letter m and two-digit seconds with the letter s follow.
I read 2h46
